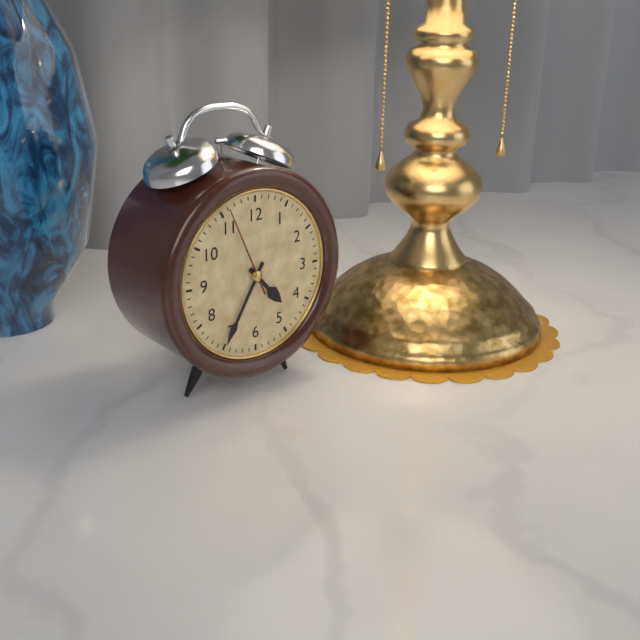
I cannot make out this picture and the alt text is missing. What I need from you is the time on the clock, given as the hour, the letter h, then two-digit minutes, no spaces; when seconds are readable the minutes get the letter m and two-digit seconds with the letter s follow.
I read 4h35m56s
